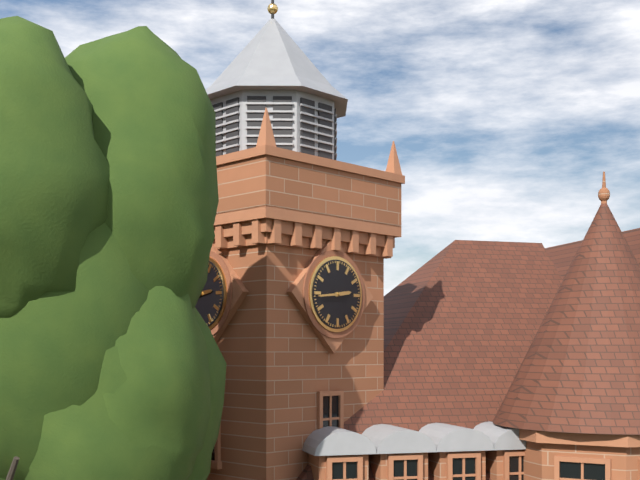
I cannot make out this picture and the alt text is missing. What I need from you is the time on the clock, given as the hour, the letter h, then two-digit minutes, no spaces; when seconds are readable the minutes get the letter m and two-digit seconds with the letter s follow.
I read 2h44
